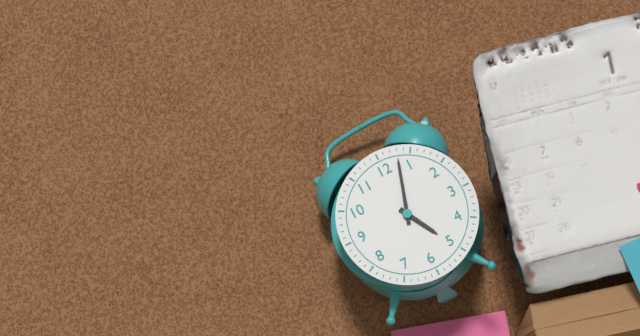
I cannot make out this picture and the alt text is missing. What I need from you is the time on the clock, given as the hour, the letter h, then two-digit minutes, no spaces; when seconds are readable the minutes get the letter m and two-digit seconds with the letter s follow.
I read 5h03
